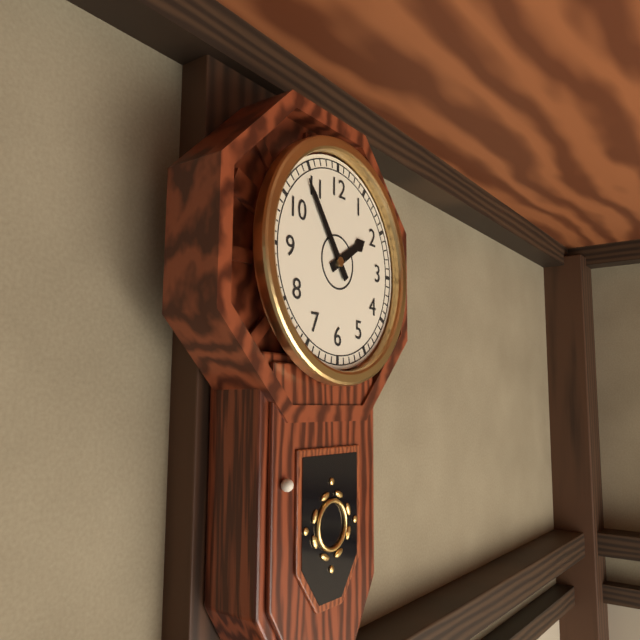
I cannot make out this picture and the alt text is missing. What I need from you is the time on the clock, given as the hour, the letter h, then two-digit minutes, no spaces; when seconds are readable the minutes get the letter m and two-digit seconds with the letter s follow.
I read 1h54
